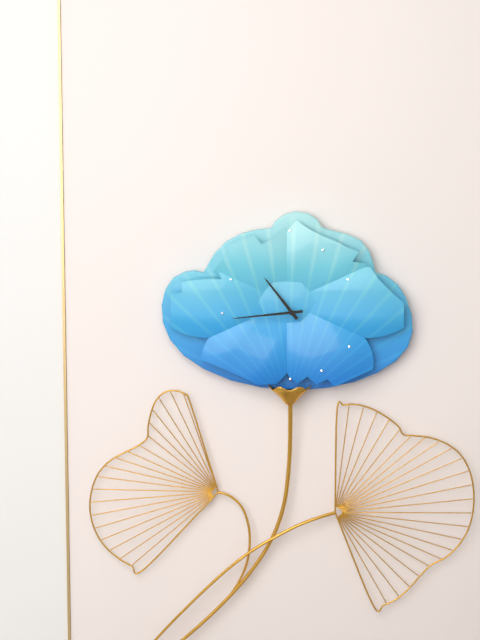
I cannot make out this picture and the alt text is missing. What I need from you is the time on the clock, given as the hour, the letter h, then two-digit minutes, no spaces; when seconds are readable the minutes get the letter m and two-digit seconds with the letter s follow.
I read 10h44
